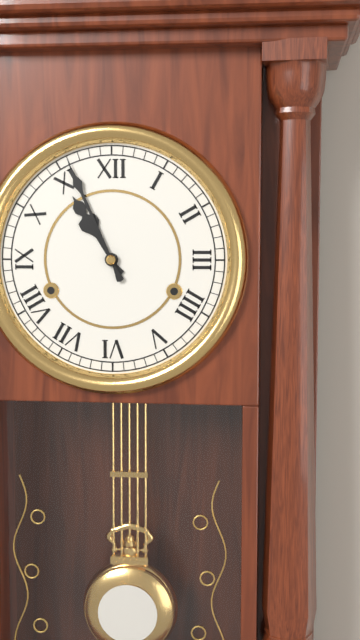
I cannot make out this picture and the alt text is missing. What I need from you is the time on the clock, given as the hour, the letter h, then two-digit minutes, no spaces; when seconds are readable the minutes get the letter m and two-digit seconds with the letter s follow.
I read 10h56
